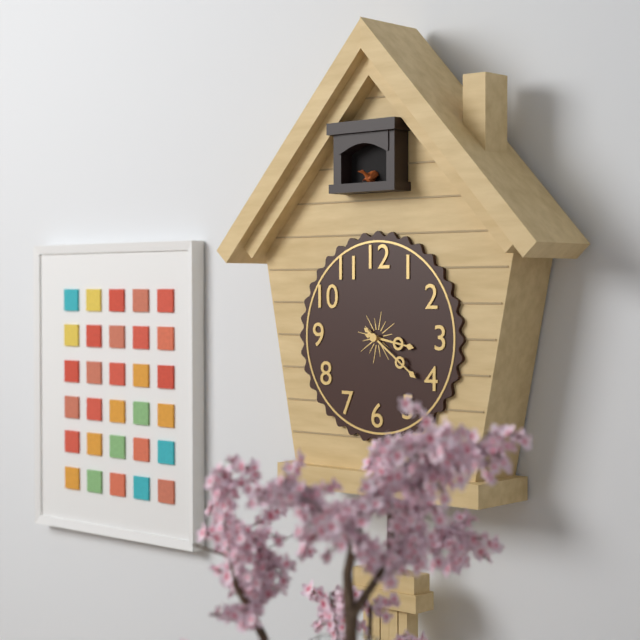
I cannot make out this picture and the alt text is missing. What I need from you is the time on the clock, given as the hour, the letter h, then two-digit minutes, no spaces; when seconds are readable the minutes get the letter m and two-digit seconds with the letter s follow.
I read 3h21
